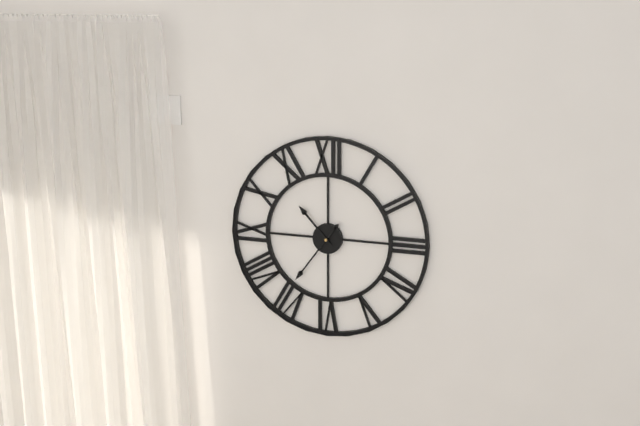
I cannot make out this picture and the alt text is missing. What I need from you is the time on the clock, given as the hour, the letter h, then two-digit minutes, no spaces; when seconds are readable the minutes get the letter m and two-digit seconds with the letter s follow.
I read 10h36
